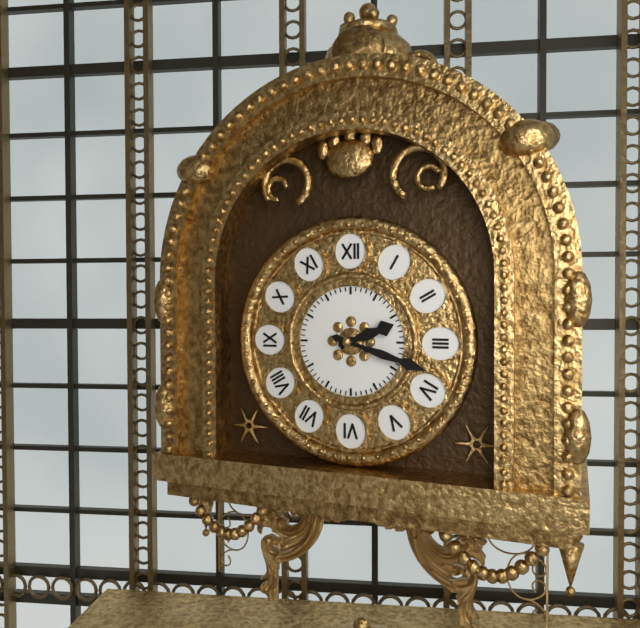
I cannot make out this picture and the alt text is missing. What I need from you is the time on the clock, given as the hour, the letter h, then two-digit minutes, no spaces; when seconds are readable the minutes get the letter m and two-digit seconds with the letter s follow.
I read 2h18
